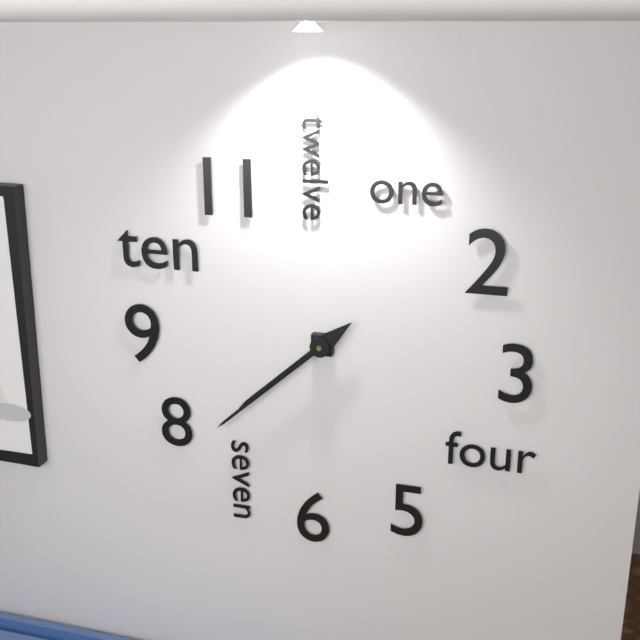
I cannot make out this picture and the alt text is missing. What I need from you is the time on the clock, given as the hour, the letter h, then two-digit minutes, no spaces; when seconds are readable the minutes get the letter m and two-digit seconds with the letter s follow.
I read 7h38
